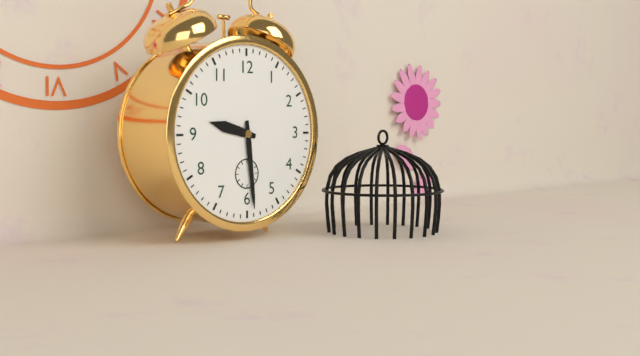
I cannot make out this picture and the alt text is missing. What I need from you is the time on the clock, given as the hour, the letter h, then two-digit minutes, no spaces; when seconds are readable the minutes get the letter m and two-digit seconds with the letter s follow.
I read 9h29
